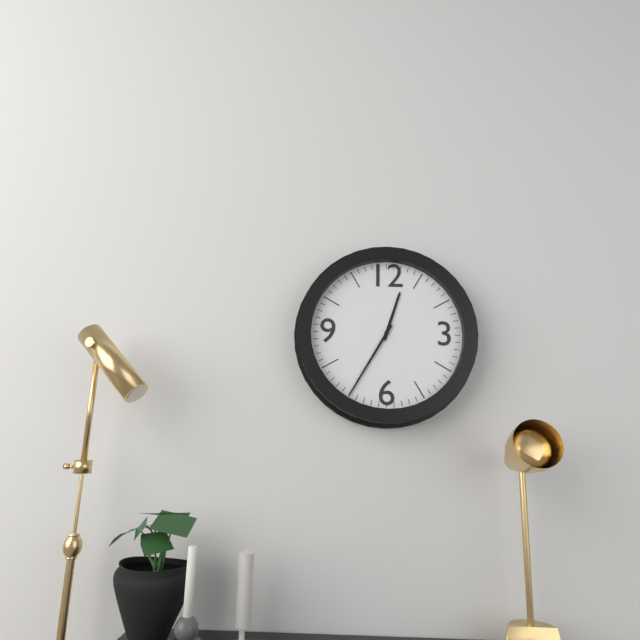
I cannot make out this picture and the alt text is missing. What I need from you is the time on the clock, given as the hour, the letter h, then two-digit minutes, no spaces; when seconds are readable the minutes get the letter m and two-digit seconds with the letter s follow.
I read 12h35
